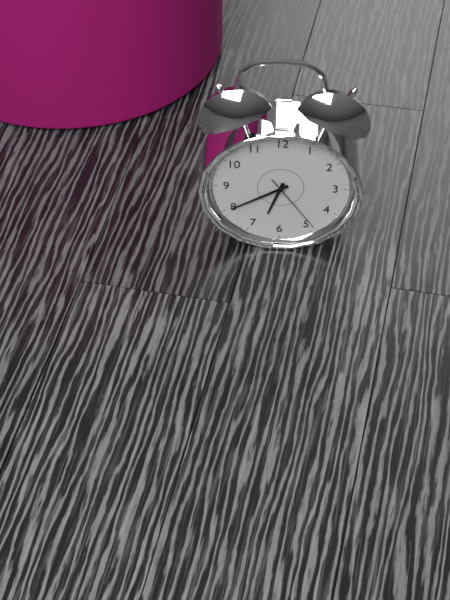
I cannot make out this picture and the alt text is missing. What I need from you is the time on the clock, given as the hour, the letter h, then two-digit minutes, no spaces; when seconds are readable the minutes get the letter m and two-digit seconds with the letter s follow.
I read 6h40m24s
